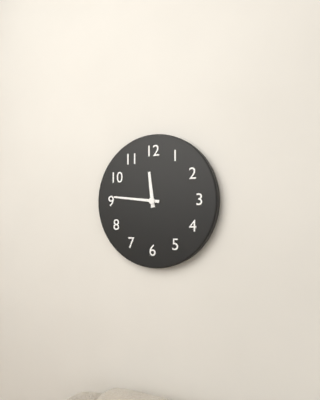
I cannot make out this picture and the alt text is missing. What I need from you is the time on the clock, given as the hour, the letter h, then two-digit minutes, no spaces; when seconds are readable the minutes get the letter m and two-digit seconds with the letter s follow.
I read 11h46
